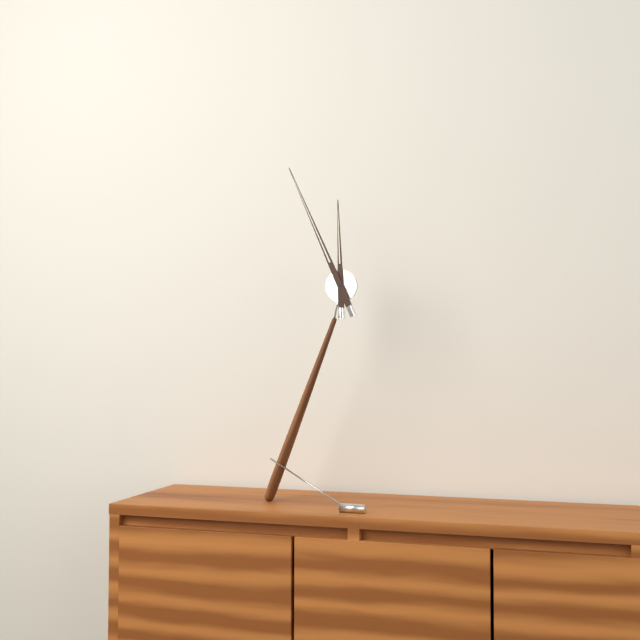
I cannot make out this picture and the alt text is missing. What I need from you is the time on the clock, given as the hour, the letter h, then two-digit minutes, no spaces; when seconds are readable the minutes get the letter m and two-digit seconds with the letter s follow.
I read 11h56
